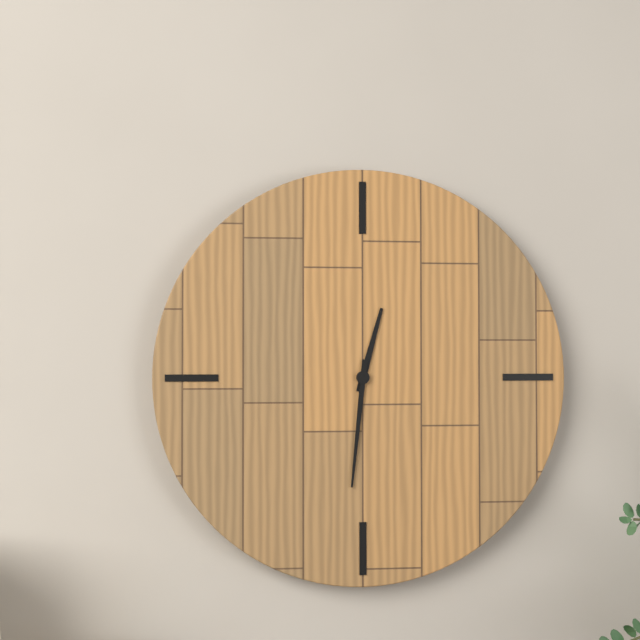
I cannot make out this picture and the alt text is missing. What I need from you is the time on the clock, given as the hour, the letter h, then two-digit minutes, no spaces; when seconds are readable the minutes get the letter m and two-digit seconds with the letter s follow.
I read 12h31
